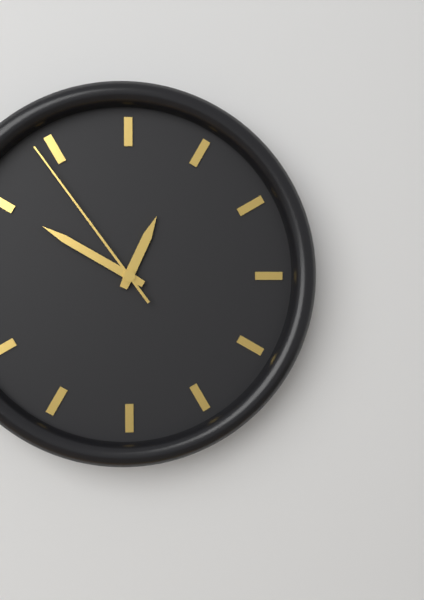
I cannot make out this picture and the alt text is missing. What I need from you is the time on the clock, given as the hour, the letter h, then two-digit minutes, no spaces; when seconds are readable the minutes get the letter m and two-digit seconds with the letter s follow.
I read 12h50m54s
